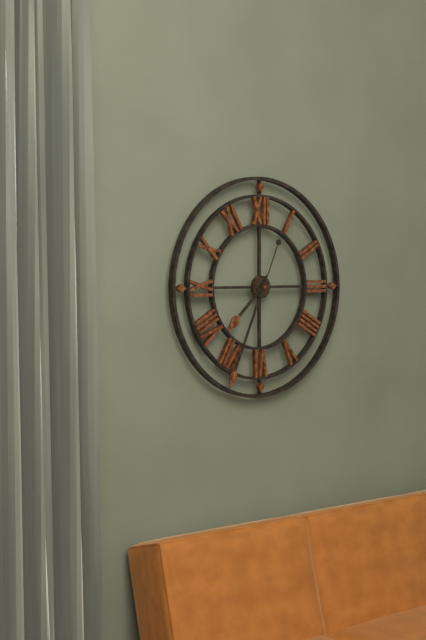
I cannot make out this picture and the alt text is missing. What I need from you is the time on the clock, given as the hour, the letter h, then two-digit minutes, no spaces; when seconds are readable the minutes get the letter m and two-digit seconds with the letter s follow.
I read 7h34m04s
